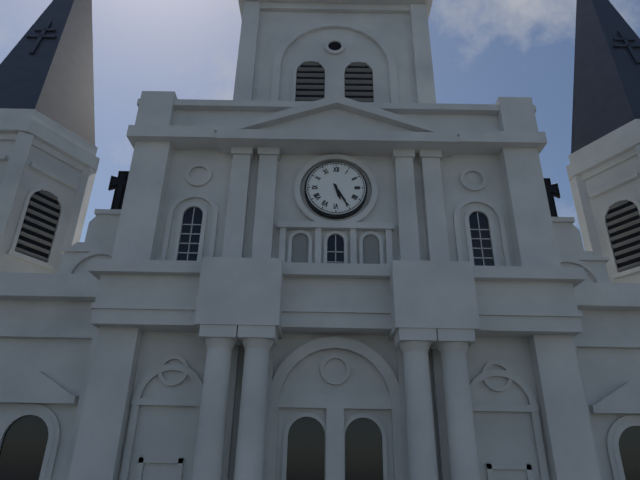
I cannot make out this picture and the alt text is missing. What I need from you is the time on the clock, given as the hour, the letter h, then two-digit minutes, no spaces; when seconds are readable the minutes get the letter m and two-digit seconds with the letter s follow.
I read 5h25
